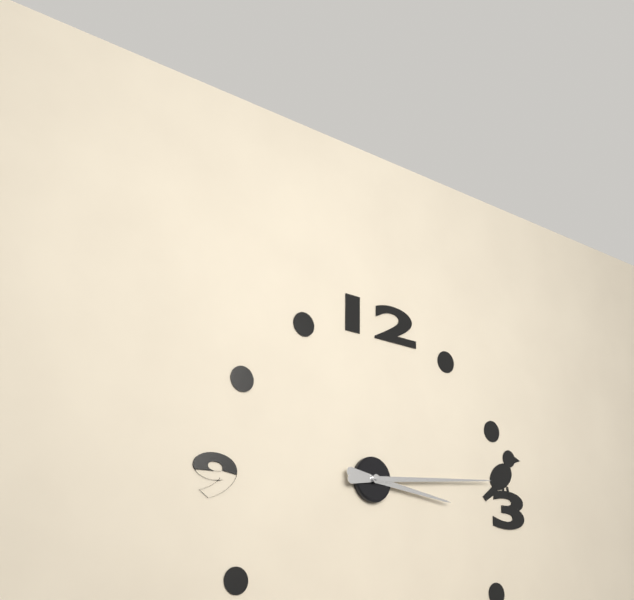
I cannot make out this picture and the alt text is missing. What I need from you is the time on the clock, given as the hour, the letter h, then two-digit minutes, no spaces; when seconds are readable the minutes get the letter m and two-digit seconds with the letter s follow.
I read 3h14
